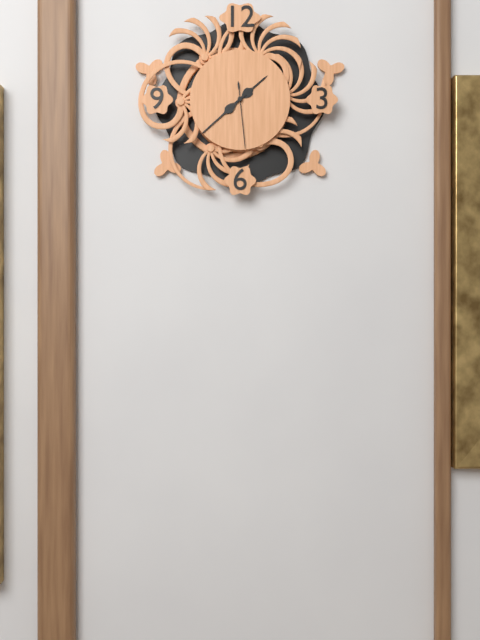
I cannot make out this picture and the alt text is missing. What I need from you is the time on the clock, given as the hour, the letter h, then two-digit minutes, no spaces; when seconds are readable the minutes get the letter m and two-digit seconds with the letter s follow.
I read 1h38m29s
